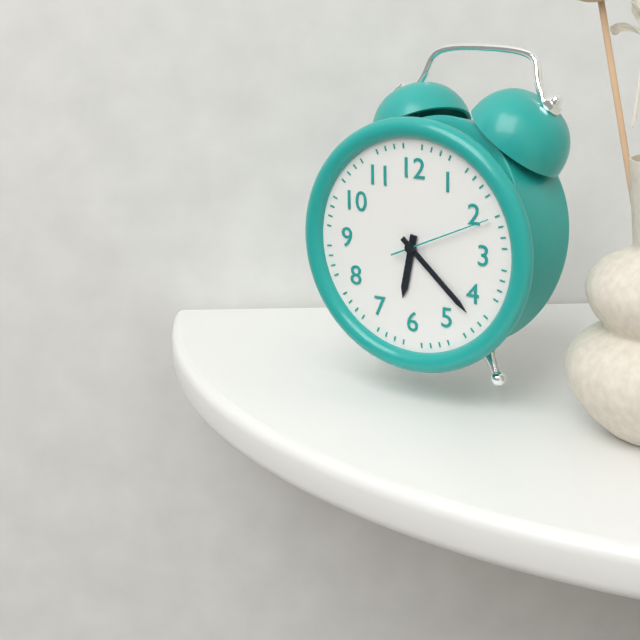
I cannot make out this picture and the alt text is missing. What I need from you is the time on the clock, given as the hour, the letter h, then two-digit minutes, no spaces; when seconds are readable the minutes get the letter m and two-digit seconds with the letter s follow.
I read 6h22m11s
